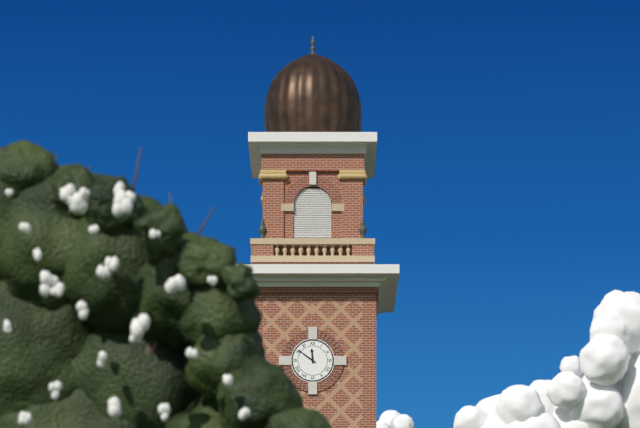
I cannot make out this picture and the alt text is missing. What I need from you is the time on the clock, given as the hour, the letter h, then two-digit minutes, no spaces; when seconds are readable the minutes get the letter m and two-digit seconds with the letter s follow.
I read 11h51
